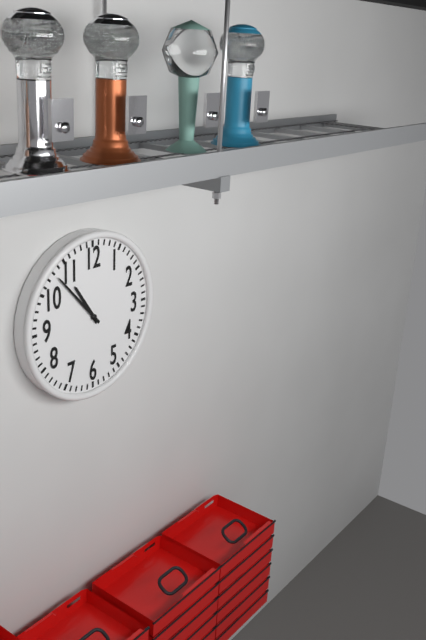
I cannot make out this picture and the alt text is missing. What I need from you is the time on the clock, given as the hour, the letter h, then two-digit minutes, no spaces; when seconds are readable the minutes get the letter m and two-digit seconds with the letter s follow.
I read 10h53
